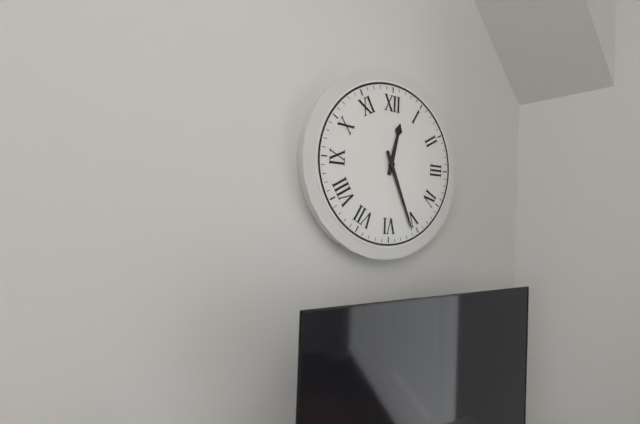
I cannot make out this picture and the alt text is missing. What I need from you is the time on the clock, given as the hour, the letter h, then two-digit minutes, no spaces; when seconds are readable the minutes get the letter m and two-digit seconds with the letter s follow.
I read 12h26
